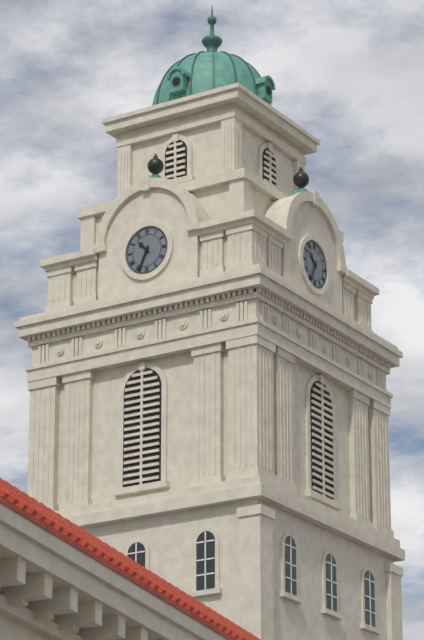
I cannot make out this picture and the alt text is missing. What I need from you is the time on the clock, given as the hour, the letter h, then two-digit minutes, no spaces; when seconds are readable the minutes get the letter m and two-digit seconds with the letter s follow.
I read 10h34
